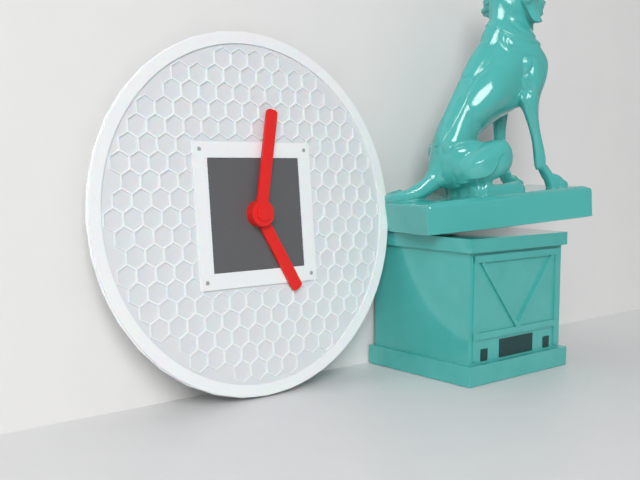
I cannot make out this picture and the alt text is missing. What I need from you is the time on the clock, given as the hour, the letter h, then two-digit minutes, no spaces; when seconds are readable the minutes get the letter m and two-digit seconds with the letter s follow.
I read 5h02
